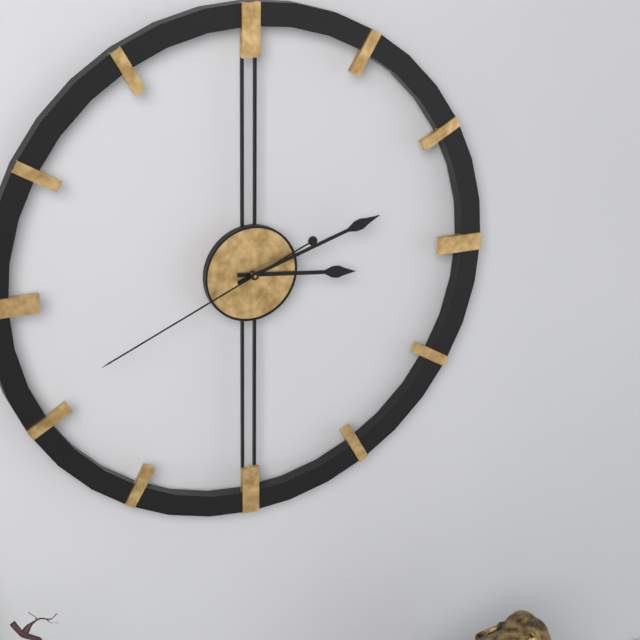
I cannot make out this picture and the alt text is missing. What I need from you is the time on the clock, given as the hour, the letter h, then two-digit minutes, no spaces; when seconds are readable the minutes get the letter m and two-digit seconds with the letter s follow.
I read 3h12m41s
